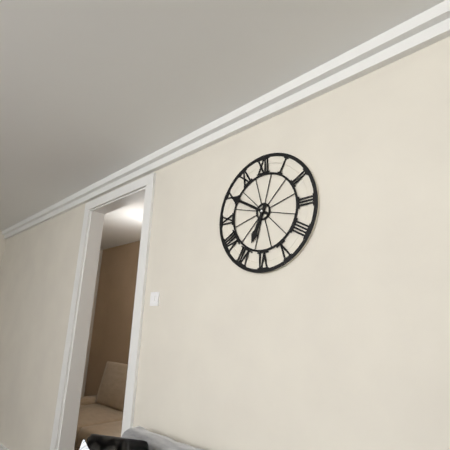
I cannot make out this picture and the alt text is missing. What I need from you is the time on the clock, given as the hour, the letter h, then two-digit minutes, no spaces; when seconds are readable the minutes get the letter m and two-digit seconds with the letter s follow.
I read 6h50
